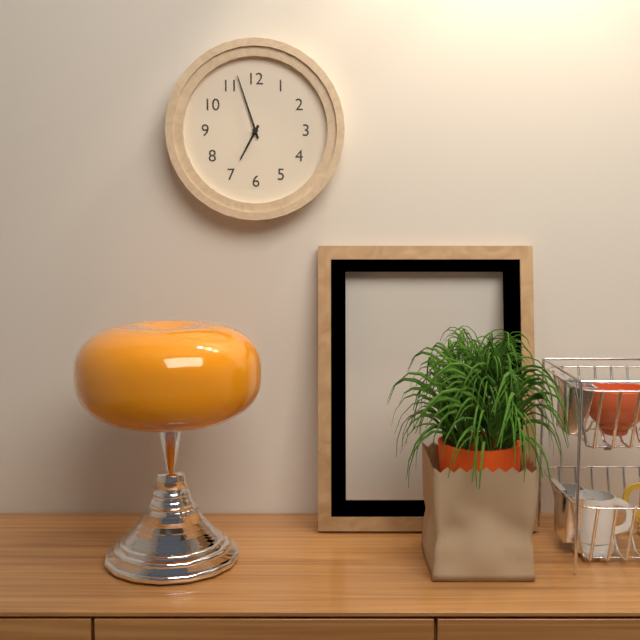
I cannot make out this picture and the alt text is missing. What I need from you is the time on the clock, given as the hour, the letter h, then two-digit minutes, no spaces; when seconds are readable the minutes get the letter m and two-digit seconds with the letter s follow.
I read 6h57
